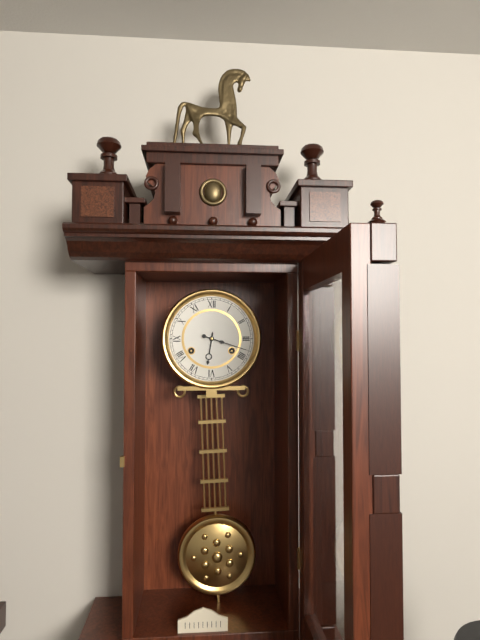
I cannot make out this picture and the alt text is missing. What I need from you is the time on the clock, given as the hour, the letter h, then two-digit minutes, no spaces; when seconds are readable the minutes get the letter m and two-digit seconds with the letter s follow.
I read 6h18
